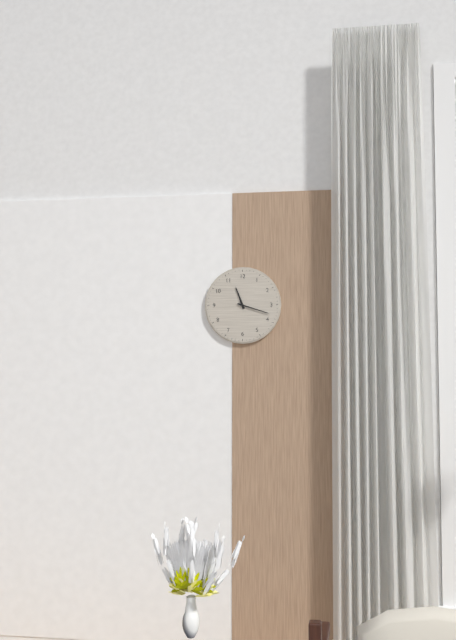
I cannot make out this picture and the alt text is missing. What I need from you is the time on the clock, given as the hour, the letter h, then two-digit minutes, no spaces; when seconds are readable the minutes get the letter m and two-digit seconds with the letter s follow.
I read 11h18
